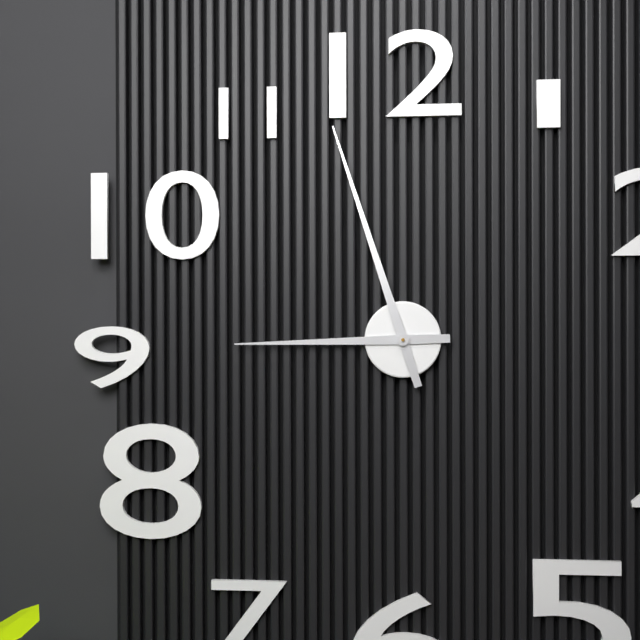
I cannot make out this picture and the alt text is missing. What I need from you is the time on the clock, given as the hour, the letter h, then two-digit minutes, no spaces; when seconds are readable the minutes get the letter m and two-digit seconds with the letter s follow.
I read 8h57
